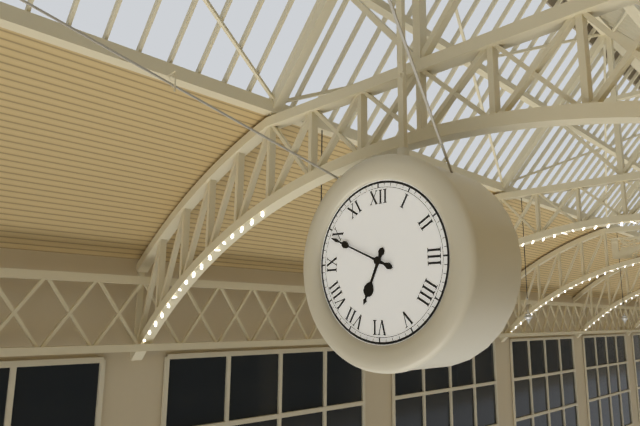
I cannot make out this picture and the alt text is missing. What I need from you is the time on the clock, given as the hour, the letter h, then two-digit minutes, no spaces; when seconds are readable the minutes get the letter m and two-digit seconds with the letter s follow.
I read 6h49
